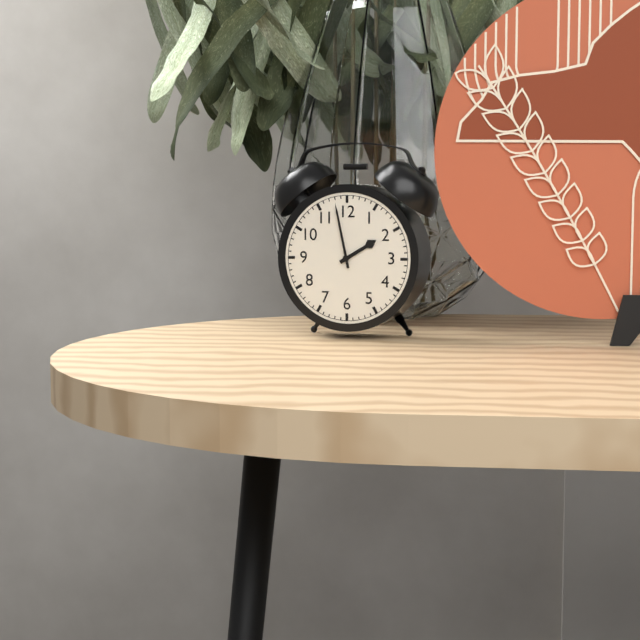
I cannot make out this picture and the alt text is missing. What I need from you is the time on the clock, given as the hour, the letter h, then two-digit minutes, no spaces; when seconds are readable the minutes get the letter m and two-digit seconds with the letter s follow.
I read 1h58
